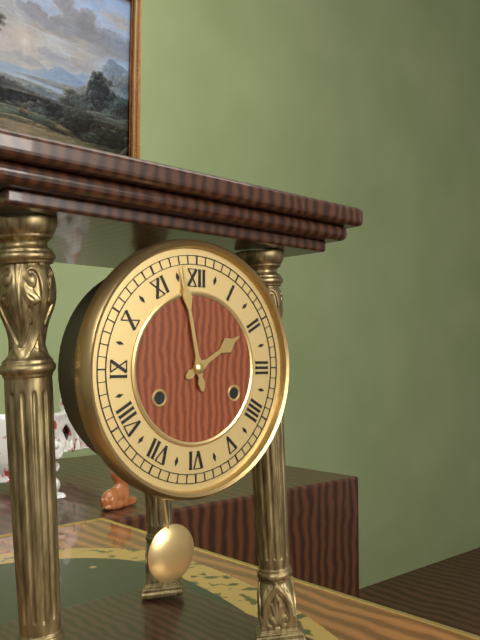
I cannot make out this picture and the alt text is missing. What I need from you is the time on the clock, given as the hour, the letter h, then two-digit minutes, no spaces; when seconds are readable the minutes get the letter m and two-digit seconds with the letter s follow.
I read 1h58
